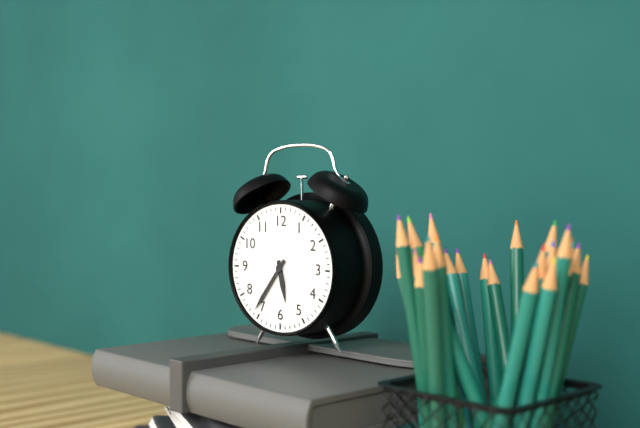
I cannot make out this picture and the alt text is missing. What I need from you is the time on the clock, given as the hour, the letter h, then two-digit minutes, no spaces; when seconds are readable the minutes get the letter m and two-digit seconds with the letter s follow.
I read 5h36
